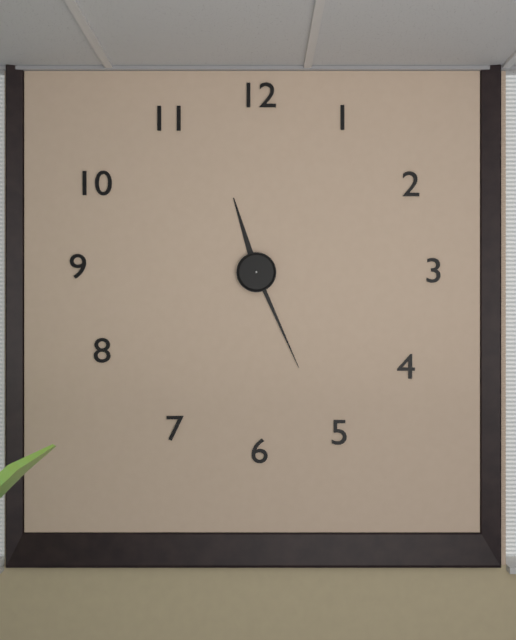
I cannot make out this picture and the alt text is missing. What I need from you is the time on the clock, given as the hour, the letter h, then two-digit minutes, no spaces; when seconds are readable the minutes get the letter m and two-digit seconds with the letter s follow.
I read 11h26
